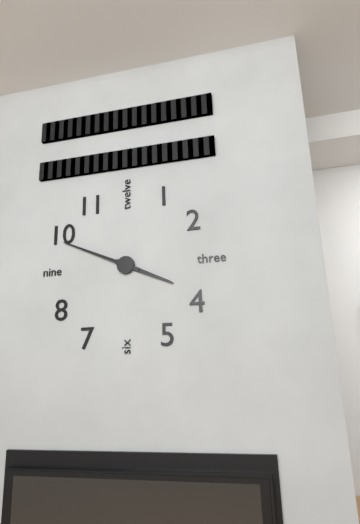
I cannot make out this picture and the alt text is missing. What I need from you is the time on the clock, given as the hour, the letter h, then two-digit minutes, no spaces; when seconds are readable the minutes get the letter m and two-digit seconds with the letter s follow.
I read 3h49
